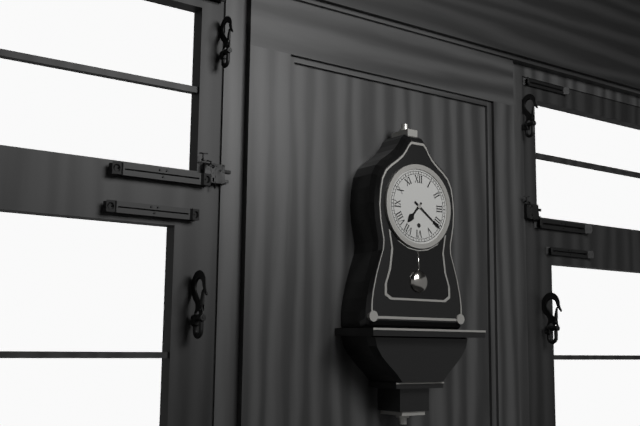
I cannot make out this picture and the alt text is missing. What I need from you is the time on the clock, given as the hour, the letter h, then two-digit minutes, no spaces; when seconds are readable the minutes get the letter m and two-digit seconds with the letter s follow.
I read 7h21
